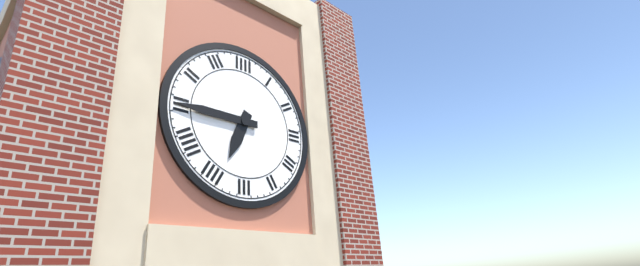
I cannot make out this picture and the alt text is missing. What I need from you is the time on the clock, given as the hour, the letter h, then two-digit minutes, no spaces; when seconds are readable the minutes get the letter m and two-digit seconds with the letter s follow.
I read 6h45
